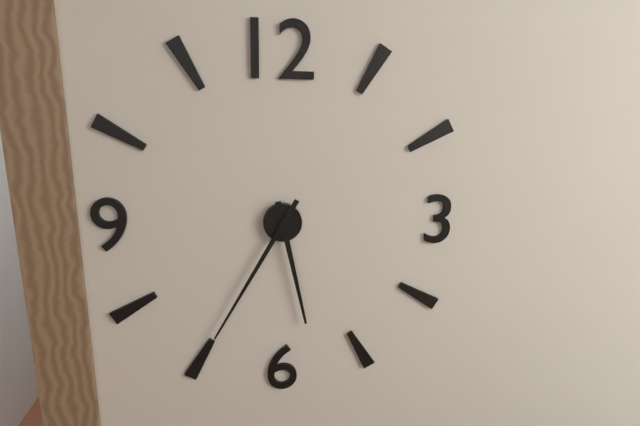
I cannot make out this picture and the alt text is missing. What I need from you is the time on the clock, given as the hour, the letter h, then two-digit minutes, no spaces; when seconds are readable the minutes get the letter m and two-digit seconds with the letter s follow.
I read 5h35
